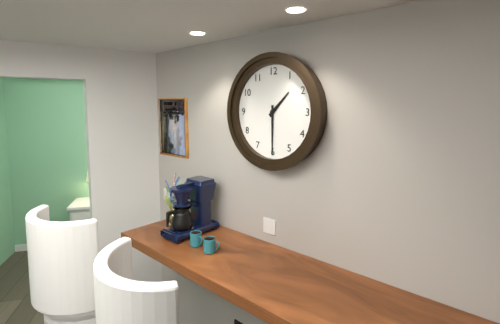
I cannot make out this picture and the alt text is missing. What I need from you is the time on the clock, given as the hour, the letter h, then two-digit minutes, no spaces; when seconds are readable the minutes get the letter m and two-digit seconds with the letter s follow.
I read 1h30
